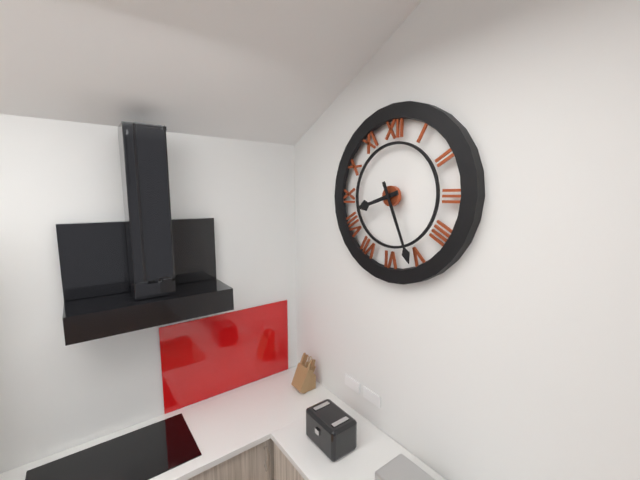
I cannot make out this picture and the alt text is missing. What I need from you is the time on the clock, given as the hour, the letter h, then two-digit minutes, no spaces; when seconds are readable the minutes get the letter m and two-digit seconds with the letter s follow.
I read 8h26
